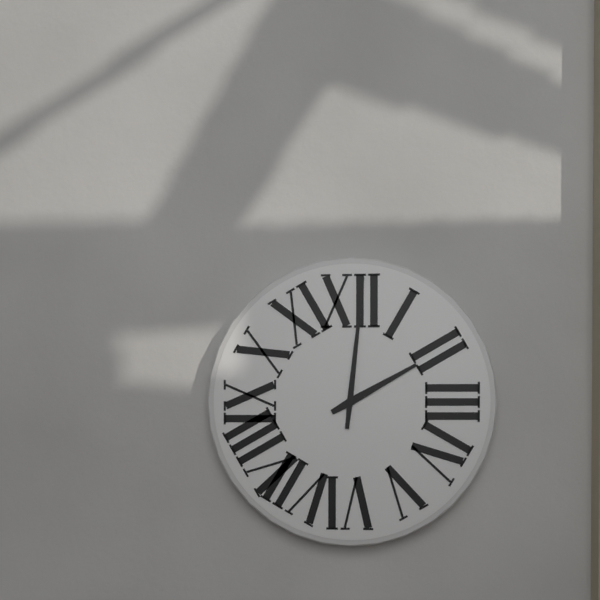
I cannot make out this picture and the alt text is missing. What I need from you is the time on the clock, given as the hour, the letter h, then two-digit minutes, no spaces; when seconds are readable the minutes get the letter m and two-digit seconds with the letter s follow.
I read 2h01
